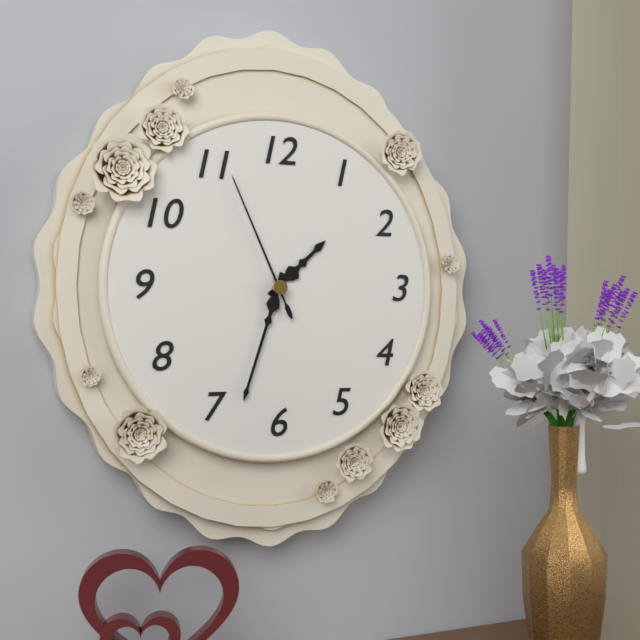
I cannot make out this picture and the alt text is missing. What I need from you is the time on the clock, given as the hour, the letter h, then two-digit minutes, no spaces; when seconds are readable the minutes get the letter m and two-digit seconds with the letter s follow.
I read 1h33m56s
